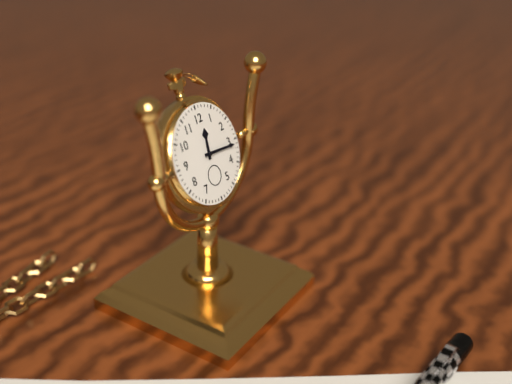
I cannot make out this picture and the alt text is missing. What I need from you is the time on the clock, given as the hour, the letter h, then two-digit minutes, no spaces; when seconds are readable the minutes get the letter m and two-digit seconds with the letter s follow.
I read 12h16
